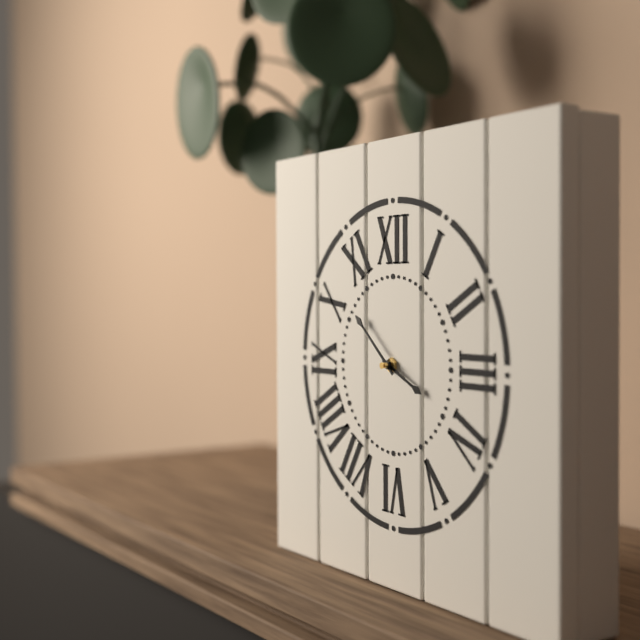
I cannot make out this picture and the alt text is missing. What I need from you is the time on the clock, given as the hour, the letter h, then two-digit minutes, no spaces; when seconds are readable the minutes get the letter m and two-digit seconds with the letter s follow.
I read 3h52
